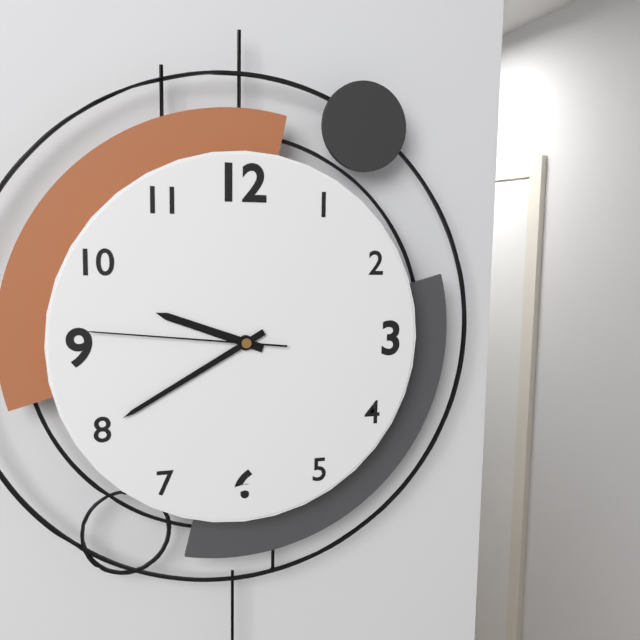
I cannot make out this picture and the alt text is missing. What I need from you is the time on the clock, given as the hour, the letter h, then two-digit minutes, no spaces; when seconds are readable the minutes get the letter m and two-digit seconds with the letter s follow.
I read 9h40m46s
